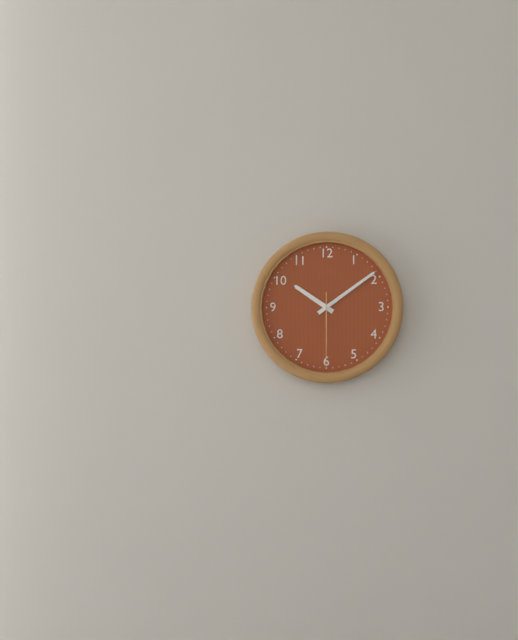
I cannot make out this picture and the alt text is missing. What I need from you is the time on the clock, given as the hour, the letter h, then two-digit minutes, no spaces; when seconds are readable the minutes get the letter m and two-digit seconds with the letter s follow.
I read 10h09m30s
